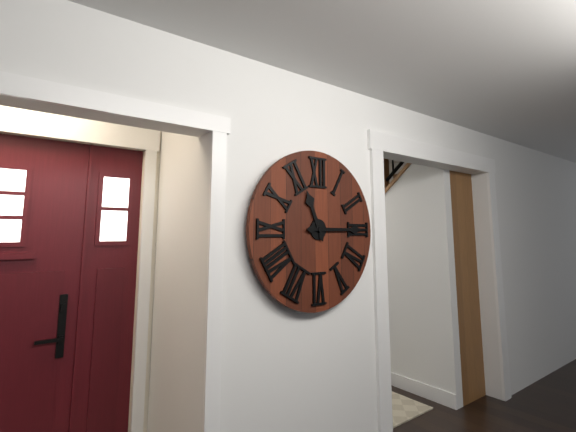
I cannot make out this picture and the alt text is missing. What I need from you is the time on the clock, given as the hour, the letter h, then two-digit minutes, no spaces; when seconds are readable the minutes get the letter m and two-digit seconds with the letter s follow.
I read 11h15
